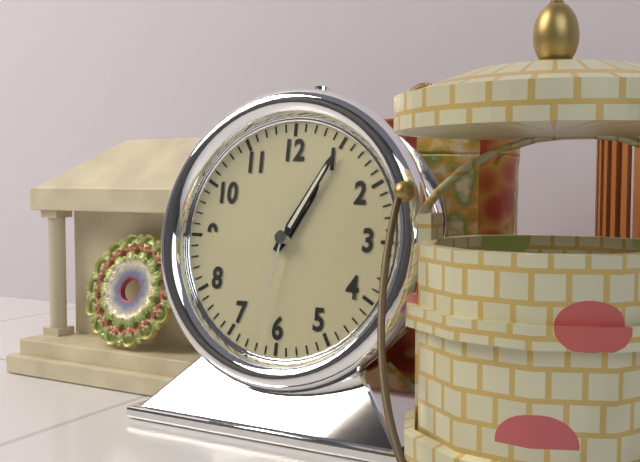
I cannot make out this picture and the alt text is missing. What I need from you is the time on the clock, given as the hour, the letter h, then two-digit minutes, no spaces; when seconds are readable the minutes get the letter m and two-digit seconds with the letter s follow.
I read 1h05m32s
